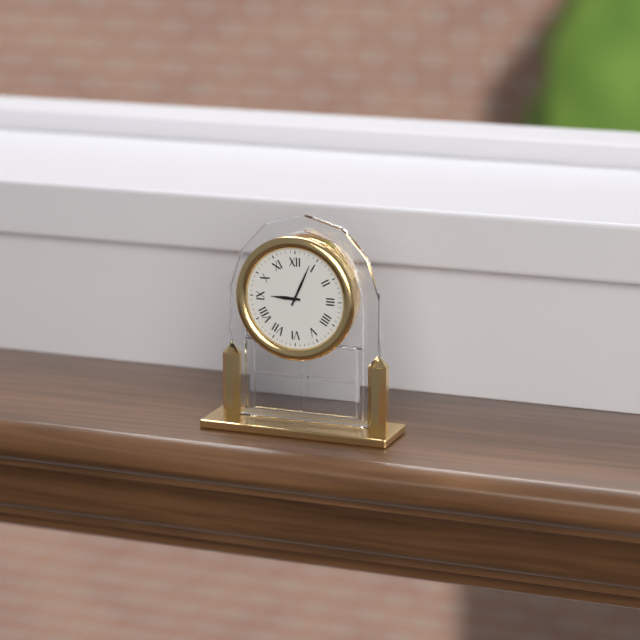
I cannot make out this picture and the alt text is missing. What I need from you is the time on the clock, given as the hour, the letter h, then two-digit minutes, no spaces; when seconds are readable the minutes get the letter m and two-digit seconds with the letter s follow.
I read 9h04
